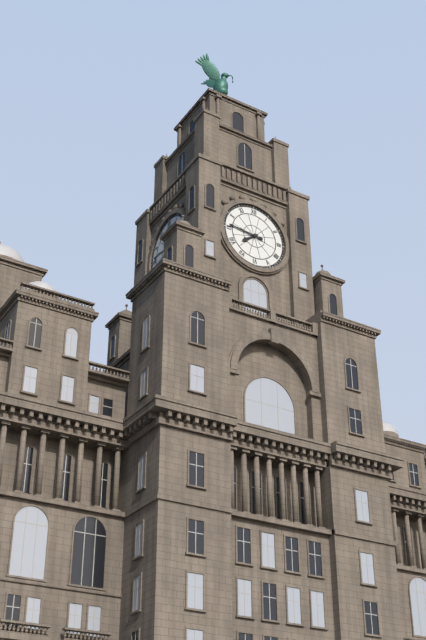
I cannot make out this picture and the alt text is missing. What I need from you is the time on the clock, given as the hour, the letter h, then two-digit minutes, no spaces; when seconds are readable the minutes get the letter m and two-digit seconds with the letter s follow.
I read 7h46
